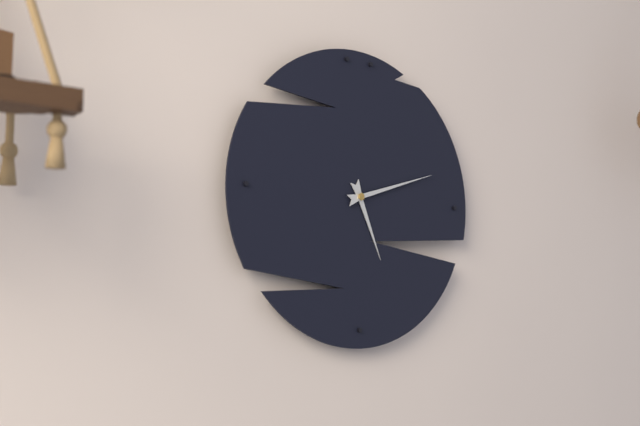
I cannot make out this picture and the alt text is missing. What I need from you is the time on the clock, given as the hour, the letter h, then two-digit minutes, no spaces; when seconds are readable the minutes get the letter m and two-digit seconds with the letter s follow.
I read 5h12
